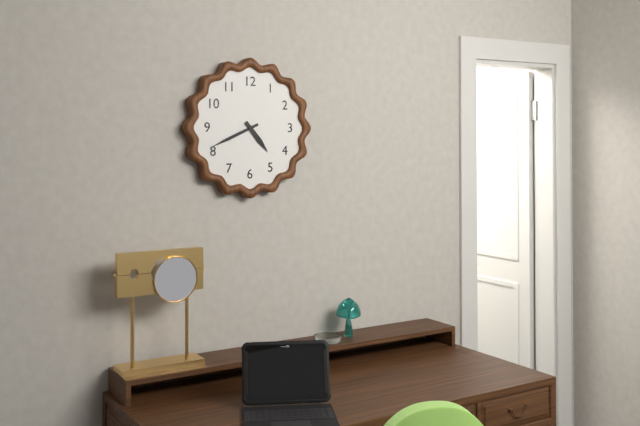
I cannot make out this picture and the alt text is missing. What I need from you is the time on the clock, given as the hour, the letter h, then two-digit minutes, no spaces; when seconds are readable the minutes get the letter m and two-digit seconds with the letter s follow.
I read 4h41
